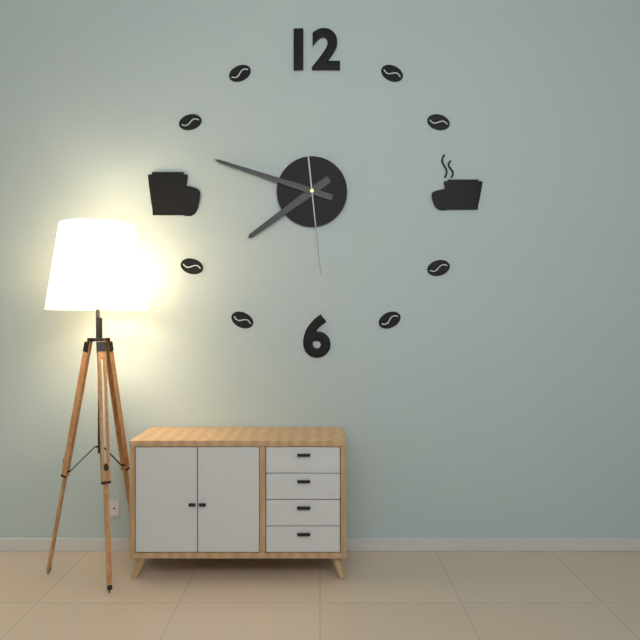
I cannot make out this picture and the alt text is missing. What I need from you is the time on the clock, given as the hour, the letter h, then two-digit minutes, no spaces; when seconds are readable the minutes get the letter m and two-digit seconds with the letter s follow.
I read 7h48m29s
